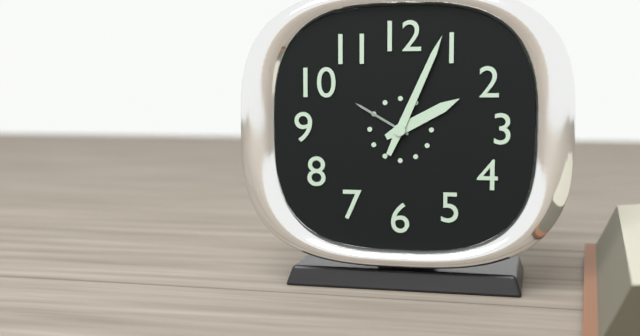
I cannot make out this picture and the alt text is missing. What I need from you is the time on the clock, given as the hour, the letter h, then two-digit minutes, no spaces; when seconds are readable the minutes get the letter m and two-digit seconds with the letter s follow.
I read 2h04
